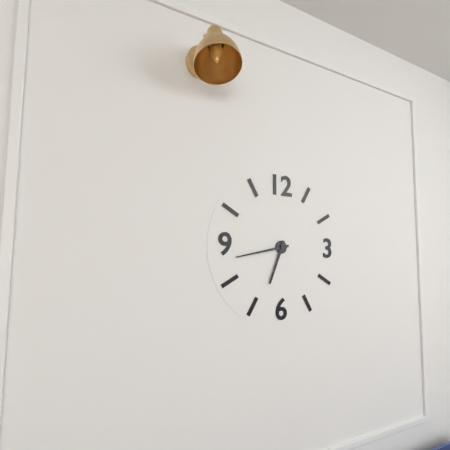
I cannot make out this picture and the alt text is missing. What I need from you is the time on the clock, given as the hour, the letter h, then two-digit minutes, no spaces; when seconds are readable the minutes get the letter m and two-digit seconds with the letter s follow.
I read 6h43
